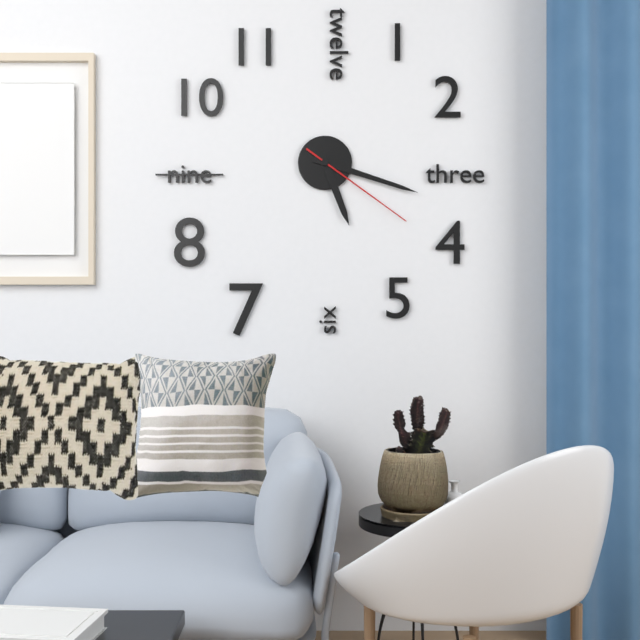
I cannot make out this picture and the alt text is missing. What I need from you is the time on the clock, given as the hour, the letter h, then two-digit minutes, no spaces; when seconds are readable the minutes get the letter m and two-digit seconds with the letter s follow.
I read 5h18m21s
